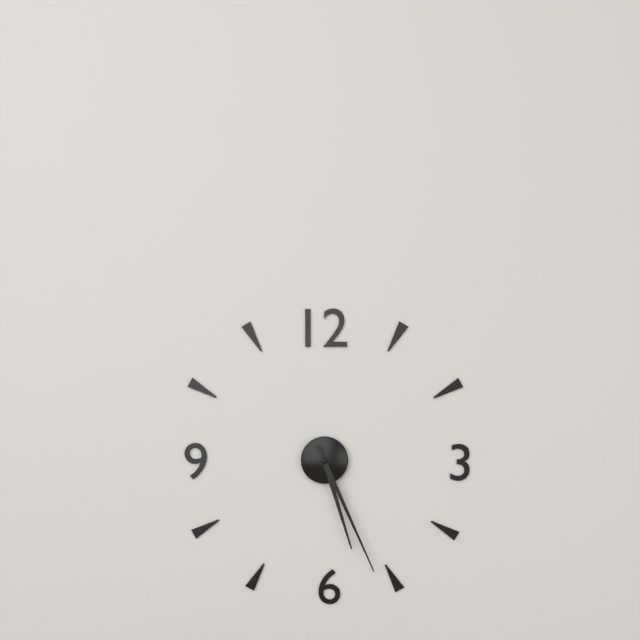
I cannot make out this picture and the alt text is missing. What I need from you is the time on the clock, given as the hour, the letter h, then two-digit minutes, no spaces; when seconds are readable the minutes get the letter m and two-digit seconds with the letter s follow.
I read 5h26
